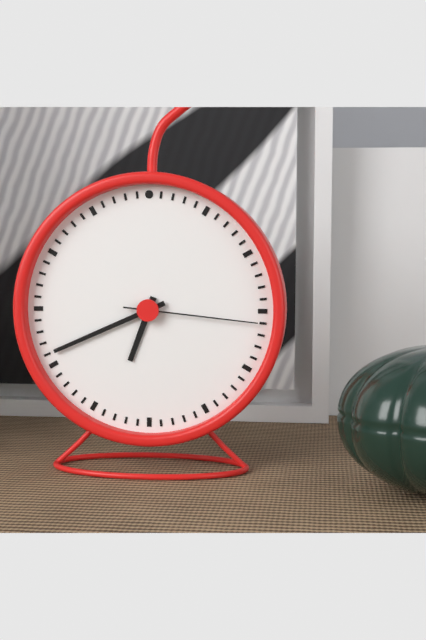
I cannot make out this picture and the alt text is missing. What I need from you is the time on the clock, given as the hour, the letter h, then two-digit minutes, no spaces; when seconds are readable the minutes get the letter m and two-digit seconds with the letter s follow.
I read 6h41m16s
